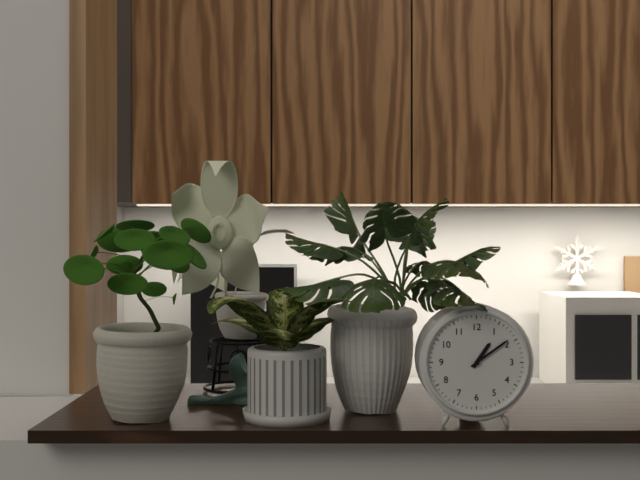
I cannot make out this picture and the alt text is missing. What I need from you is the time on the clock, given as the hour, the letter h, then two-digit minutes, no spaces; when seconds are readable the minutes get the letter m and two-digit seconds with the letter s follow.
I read 1h09
